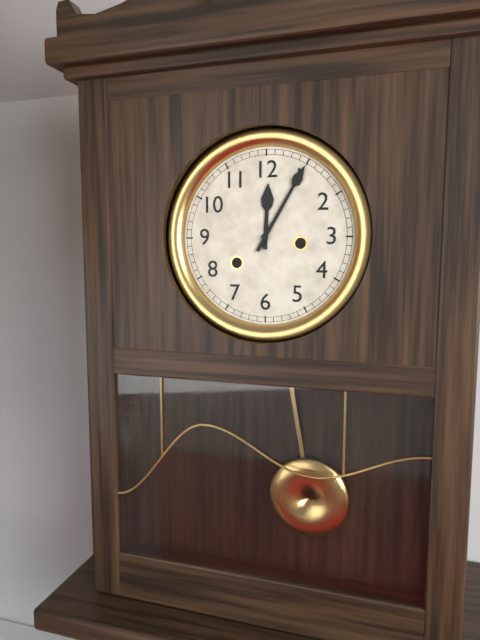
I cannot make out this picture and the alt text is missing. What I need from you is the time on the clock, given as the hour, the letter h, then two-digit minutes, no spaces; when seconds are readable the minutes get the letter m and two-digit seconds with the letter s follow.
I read 12h05
